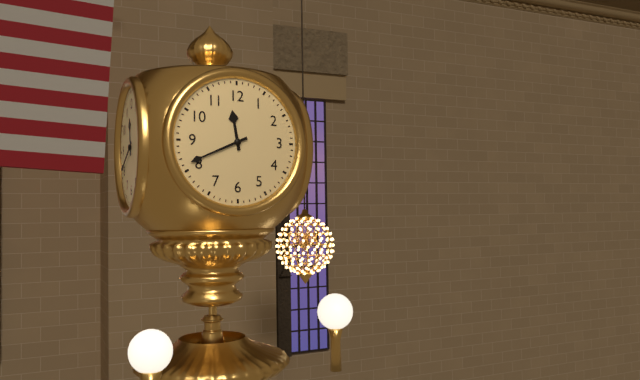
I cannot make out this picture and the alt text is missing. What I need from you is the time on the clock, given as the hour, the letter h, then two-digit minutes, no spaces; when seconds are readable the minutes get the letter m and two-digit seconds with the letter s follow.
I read 11h41
